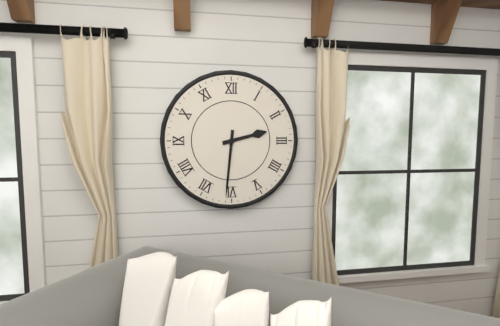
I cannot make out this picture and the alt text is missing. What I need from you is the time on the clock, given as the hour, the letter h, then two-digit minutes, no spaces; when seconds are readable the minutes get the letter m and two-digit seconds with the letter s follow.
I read 2h31
